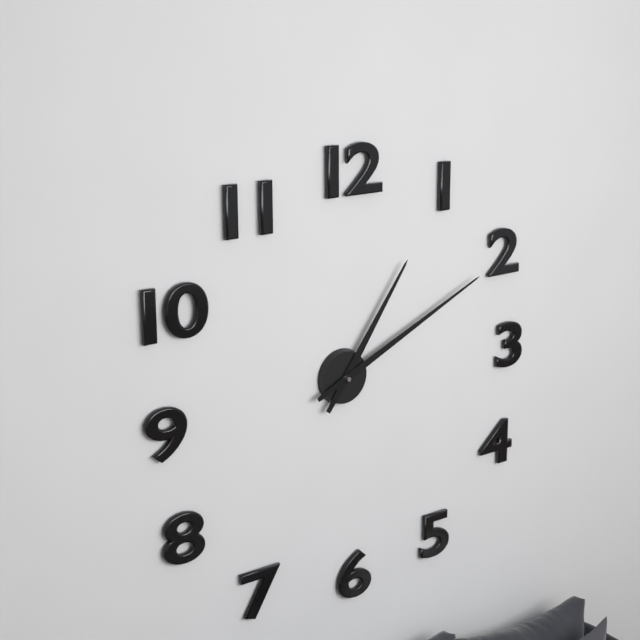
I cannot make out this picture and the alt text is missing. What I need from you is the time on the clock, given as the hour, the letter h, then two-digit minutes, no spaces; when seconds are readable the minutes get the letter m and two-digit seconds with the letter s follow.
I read 1h11
